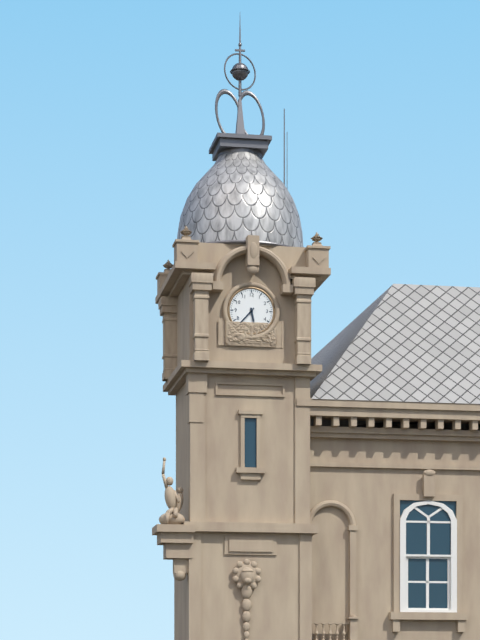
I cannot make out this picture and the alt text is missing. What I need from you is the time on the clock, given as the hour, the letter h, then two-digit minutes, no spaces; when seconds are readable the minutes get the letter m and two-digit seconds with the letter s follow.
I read 5h37
